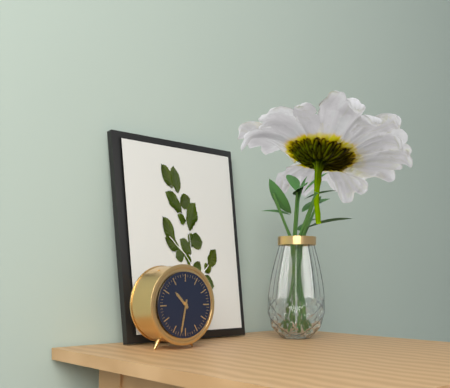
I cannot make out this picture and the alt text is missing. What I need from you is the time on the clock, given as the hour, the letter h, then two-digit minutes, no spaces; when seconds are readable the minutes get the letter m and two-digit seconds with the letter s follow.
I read 10h32
